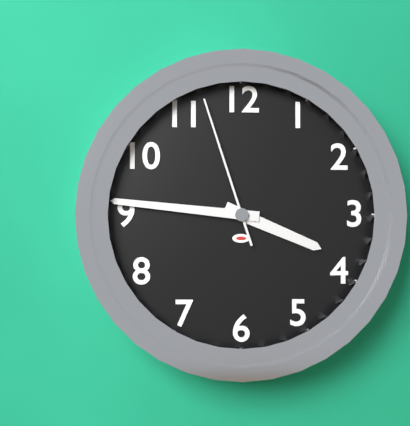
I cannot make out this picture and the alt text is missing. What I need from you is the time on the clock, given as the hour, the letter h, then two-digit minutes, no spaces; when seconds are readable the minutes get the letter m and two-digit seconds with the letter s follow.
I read 3h46m57s
